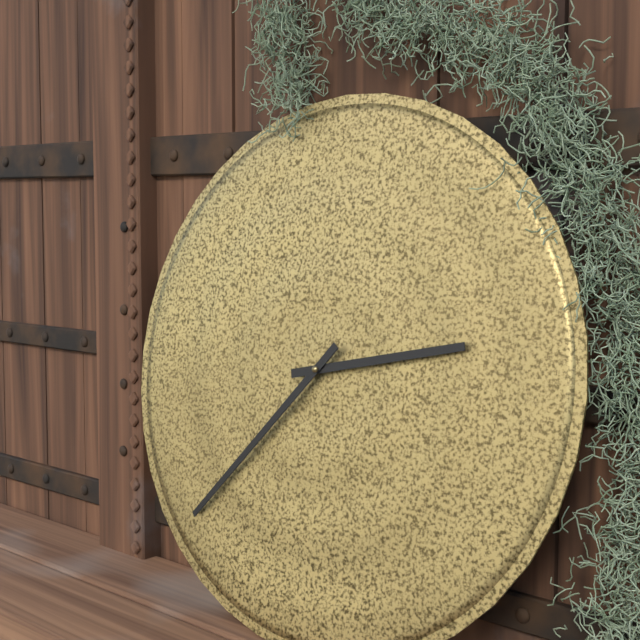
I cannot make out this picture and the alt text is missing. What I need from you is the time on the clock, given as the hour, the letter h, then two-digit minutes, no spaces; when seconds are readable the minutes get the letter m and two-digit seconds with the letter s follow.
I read 2h37
